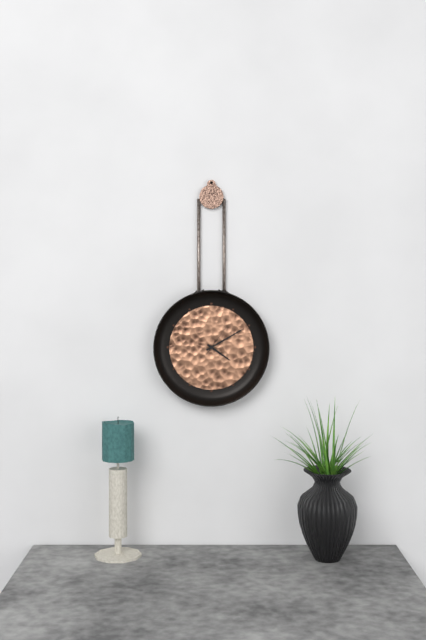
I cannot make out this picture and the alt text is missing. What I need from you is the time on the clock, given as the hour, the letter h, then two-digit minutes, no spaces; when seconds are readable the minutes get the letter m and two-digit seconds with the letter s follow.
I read 4h10
